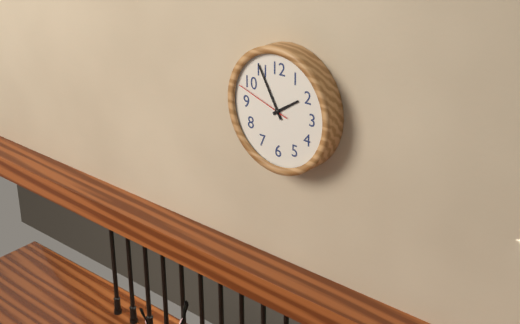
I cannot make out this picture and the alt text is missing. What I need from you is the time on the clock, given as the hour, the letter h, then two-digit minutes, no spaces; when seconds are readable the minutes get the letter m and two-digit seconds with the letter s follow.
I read 1h55m48s
